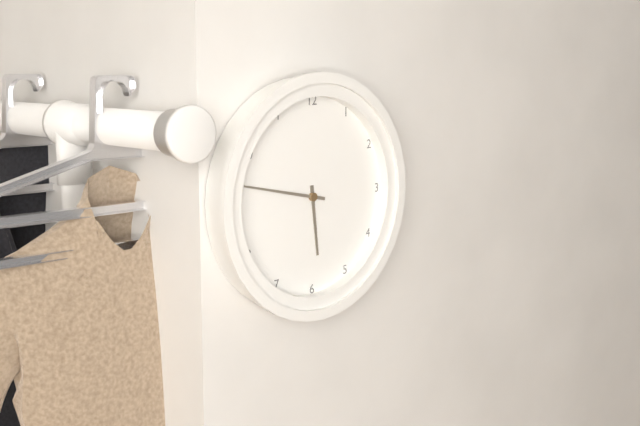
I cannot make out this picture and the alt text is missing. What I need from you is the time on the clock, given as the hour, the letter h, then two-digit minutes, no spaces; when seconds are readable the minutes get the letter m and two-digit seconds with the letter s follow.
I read 5h47
